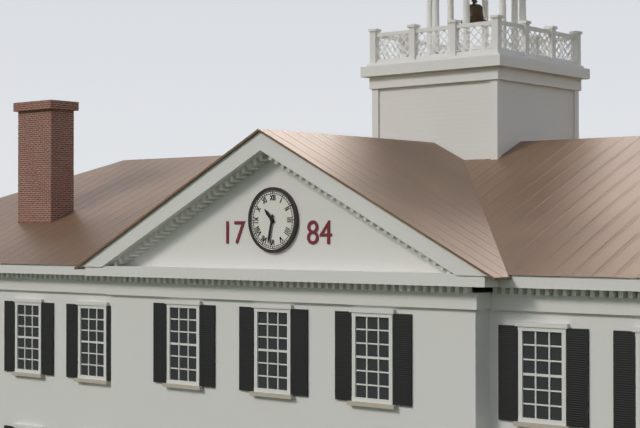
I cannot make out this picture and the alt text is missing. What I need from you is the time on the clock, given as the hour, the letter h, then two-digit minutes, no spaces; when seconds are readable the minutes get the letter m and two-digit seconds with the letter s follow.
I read 10h32
